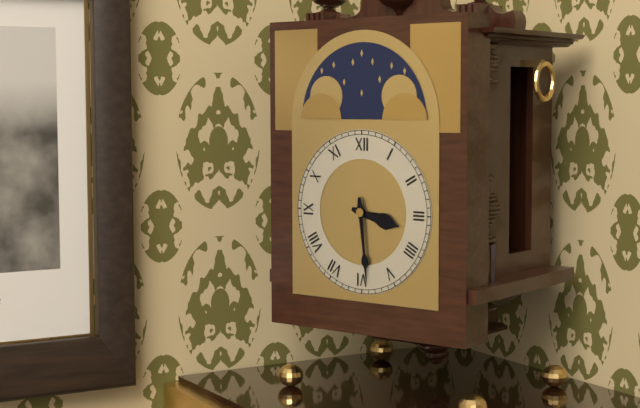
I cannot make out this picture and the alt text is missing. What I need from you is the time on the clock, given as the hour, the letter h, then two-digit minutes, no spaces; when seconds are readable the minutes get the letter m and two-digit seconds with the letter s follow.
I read 3h29
